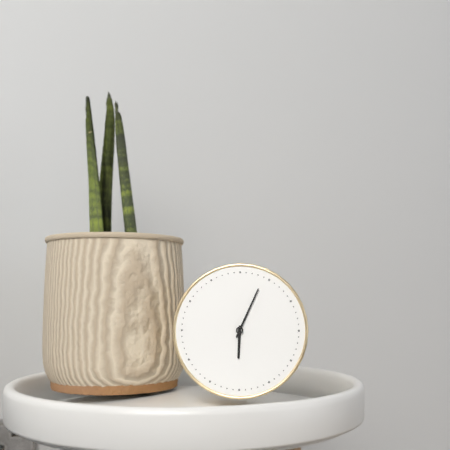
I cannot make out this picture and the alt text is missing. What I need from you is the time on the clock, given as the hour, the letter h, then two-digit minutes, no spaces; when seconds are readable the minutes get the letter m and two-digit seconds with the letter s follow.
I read 6h04
